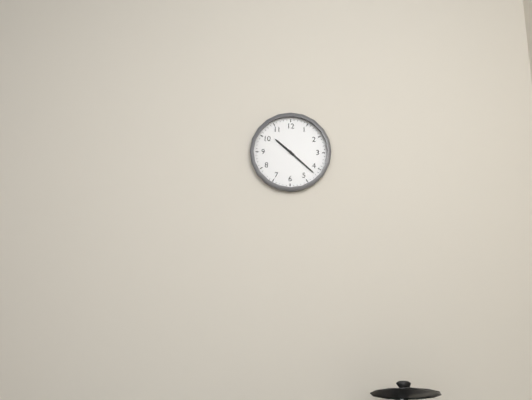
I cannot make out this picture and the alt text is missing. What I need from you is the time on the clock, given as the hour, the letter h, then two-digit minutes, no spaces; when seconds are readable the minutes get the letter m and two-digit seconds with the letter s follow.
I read 10h22
